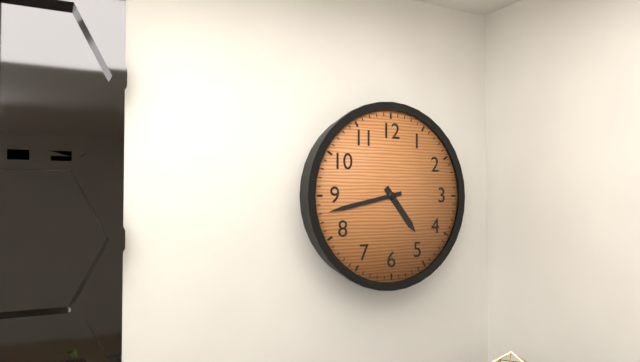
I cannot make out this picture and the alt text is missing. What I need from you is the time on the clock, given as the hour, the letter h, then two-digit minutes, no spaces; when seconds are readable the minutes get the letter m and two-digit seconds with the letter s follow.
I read 4h43
